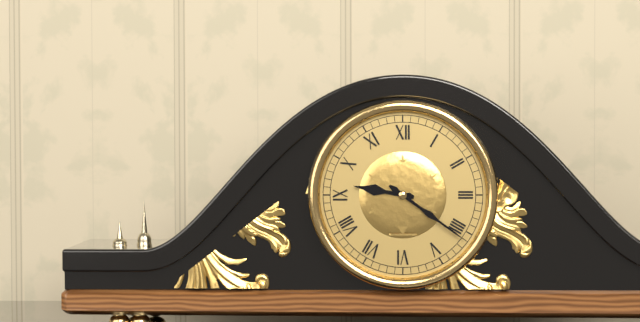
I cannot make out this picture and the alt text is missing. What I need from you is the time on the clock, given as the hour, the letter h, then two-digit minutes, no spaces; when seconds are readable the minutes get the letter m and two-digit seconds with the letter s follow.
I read 9h21
